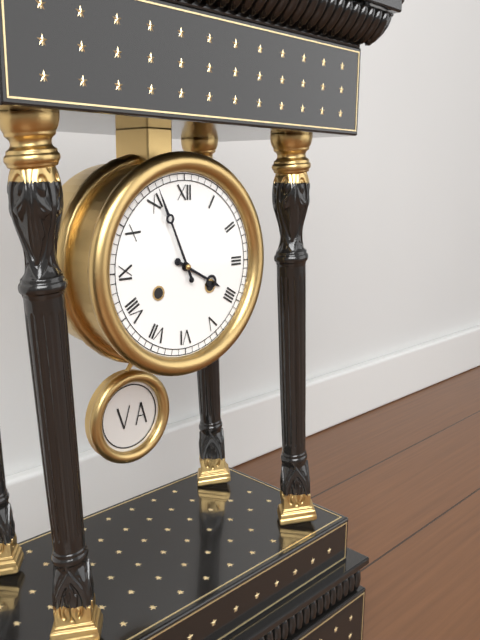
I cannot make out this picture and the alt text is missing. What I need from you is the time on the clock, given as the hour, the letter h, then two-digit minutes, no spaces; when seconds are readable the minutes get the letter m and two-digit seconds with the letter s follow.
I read 3h56
